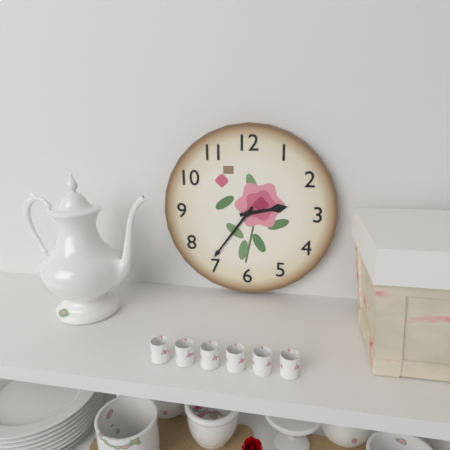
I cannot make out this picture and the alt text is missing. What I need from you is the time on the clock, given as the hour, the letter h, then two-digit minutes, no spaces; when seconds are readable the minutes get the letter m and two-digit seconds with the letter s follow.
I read 2h36
